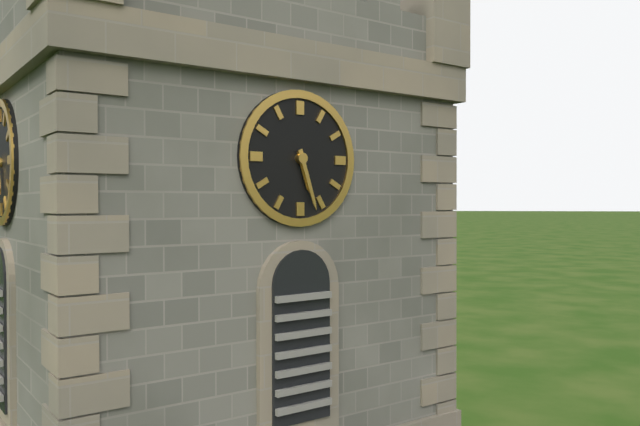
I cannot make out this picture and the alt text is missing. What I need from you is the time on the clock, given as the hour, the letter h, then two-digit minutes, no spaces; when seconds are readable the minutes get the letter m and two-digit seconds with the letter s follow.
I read 5h27
